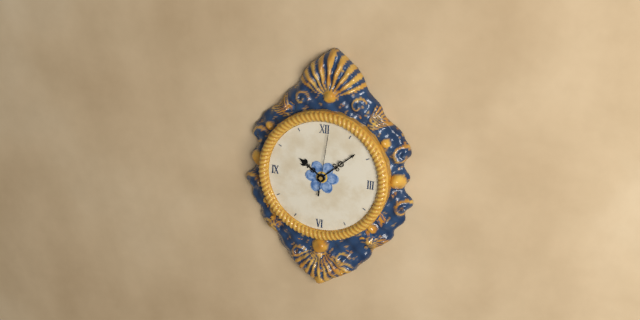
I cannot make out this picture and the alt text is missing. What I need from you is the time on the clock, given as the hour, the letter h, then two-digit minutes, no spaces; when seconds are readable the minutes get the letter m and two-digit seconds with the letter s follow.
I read 10h08m01s
